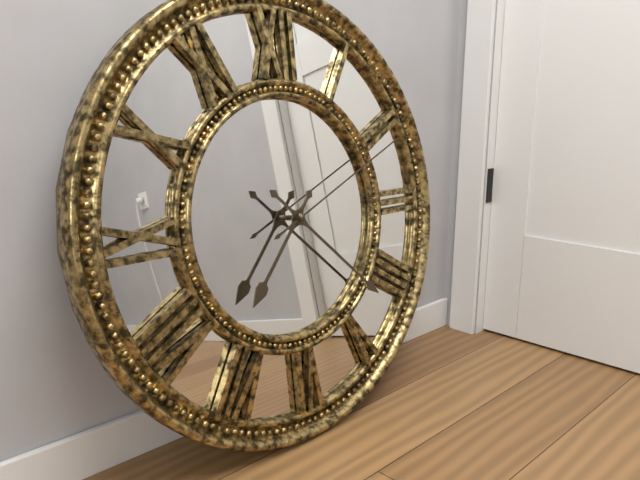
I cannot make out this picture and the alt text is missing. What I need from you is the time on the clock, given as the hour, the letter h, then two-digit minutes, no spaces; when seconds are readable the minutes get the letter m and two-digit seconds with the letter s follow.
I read 7h22m11s
